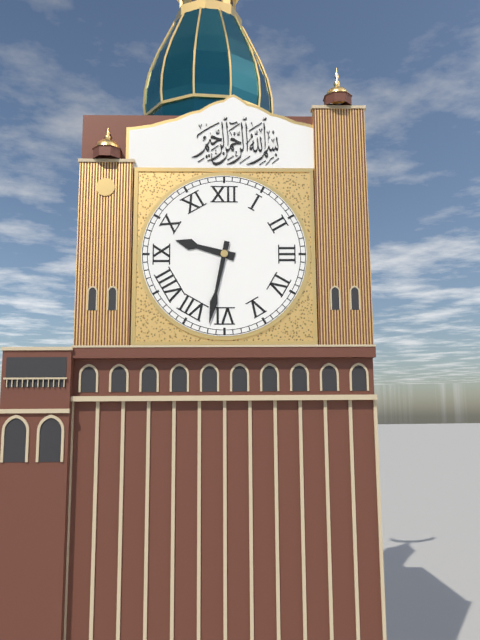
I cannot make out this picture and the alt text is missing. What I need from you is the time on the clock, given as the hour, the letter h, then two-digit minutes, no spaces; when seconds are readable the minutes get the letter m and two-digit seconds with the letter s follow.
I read 9h32
